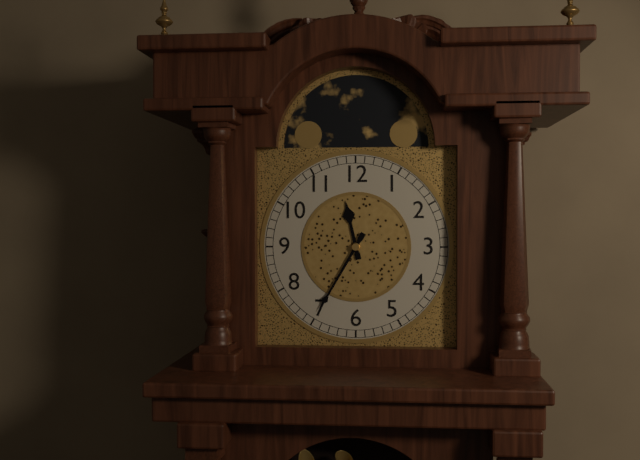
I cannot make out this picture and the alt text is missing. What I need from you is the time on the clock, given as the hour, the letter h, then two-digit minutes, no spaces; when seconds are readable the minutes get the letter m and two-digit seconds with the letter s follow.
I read 11h35
